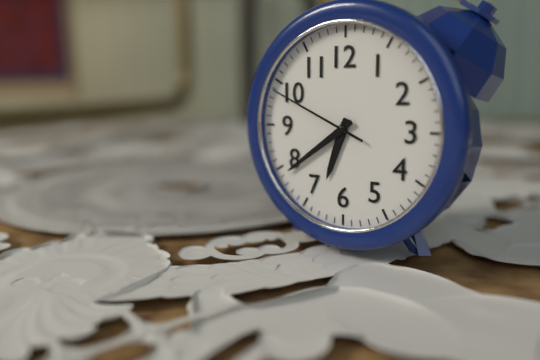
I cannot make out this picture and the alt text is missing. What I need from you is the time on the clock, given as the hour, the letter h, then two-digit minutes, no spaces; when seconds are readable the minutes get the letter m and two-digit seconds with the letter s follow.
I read 6h39m49s
